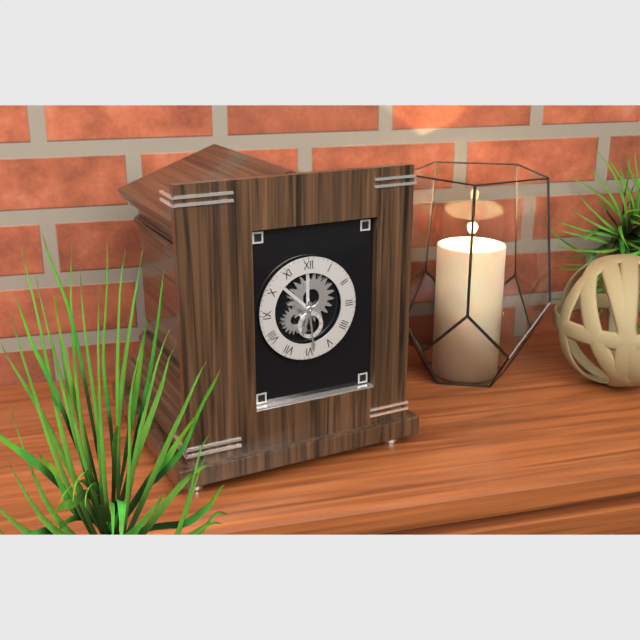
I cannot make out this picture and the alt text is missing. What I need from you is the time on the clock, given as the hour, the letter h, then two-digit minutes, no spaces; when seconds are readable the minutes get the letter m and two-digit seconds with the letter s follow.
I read 6h29
